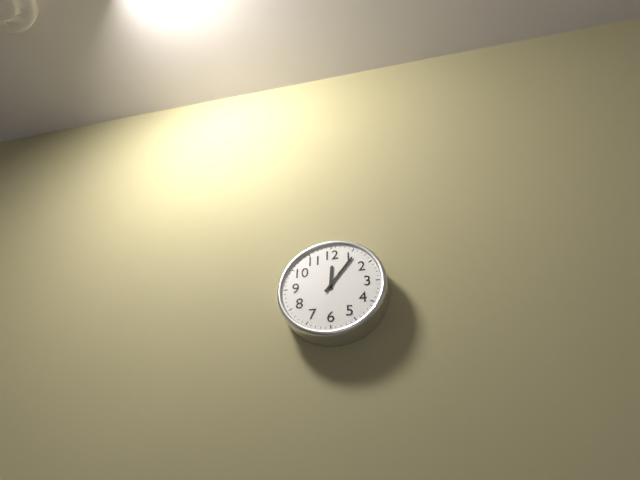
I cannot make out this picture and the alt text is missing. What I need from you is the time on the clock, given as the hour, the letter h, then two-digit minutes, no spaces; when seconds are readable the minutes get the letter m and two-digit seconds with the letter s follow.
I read 12h06
